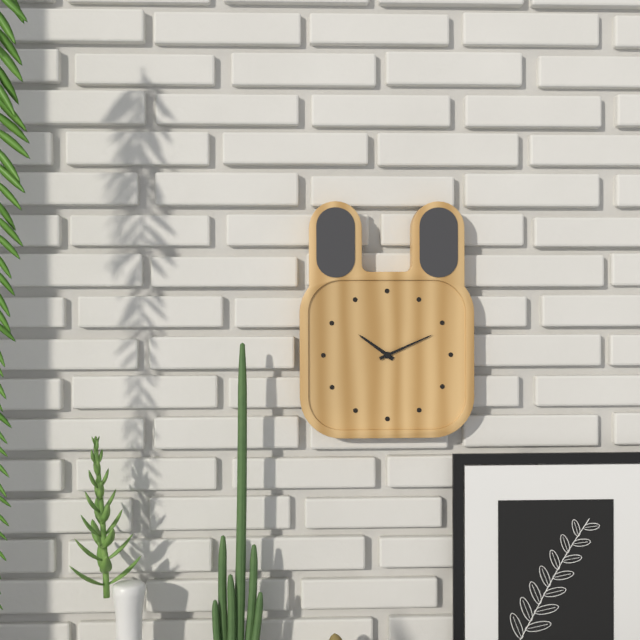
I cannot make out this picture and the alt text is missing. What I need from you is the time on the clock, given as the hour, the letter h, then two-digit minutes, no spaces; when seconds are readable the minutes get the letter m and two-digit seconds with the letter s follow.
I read 10h11
